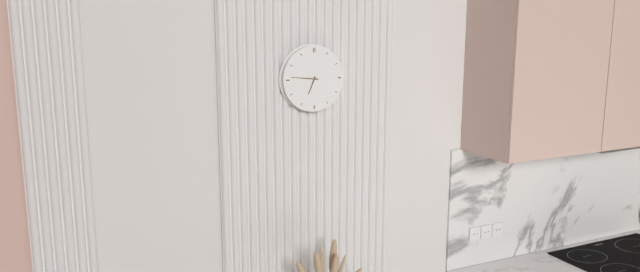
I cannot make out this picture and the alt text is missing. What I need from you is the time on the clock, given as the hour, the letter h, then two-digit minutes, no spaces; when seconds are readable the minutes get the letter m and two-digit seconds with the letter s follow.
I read 6h46
